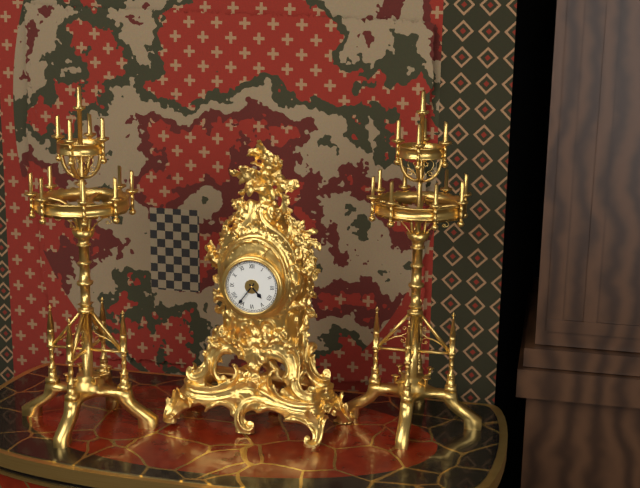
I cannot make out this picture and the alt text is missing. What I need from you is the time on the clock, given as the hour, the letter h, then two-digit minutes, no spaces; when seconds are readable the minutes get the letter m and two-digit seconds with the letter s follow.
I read 4h36
